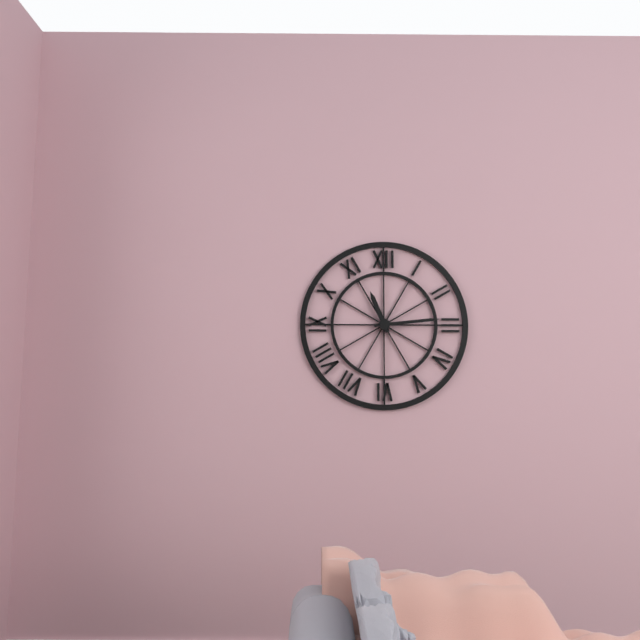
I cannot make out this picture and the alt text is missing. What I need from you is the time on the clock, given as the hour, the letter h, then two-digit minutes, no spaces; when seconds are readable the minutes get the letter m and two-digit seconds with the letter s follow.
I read 11h14
